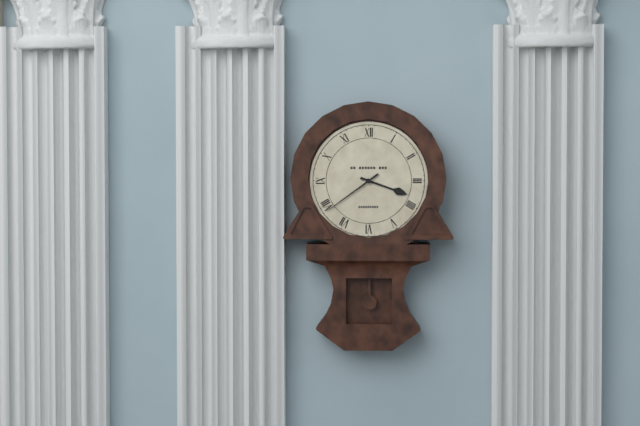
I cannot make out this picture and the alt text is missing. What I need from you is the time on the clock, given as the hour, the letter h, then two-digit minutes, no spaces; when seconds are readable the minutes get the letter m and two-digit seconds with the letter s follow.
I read 3h39
